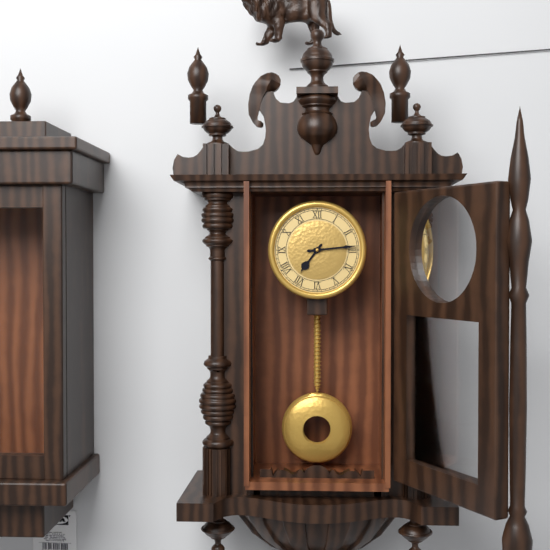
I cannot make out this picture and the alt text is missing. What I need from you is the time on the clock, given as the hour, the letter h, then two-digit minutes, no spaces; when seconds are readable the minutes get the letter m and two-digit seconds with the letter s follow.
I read 7h14
